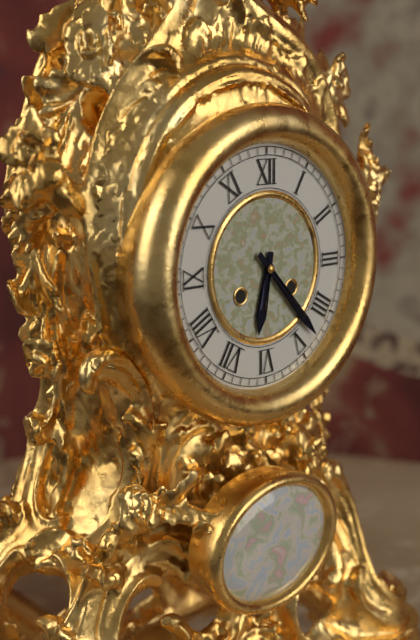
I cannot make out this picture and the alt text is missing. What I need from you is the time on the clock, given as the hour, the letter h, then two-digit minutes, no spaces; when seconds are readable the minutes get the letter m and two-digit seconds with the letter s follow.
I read 6h23
